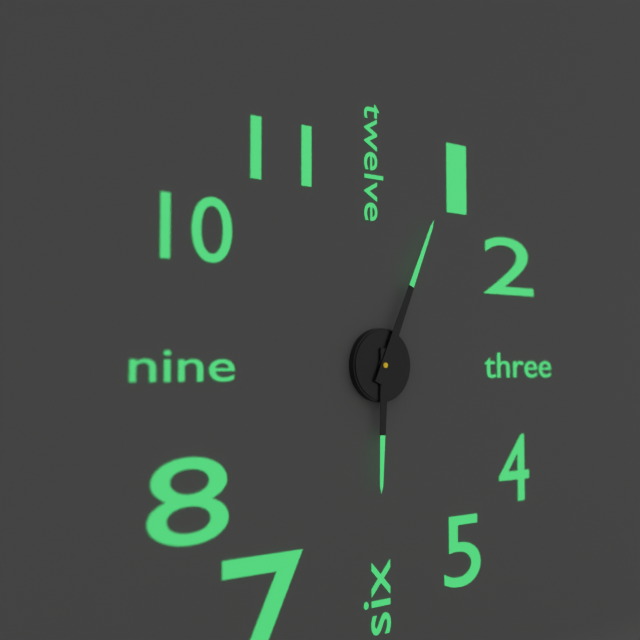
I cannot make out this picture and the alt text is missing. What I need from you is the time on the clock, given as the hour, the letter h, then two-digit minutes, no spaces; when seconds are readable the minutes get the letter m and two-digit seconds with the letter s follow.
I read 6h04
